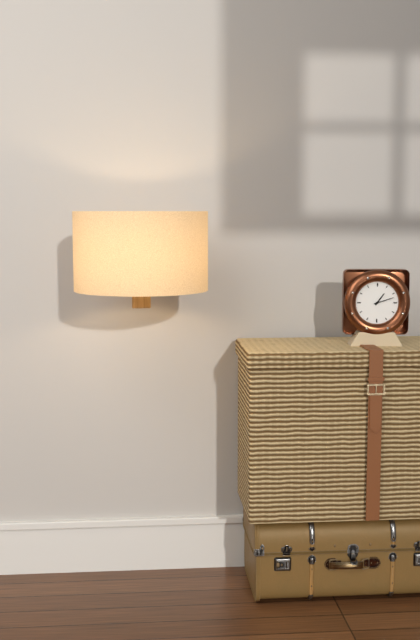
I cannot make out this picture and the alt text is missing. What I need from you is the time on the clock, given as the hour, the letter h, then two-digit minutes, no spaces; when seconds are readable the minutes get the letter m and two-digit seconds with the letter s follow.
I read 1h12
